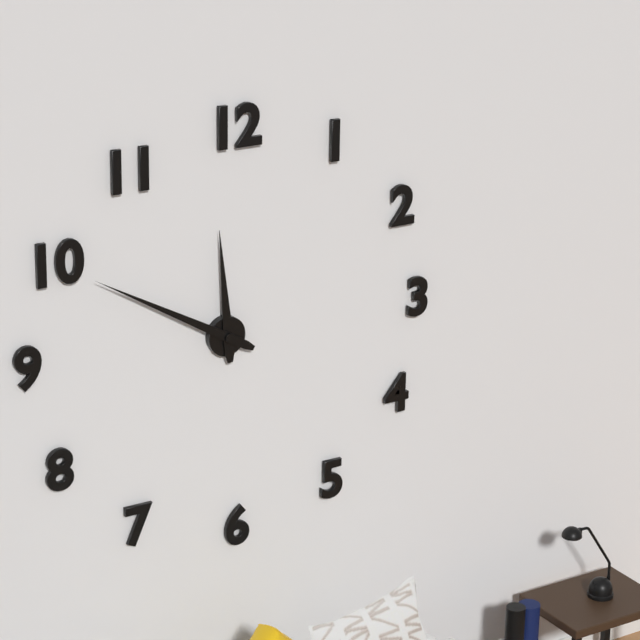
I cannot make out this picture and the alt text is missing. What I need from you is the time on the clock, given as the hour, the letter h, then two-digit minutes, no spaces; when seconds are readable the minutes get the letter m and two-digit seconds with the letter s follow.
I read 11h50
